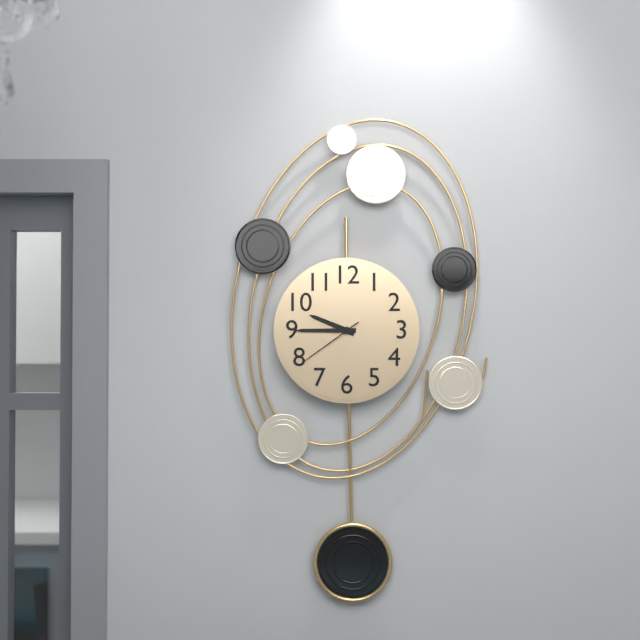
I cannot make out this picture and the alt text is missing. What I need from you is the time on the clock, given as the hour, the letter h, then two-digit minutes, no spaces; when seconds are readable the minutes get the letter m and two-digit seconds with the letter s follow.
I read 9h45m39s
